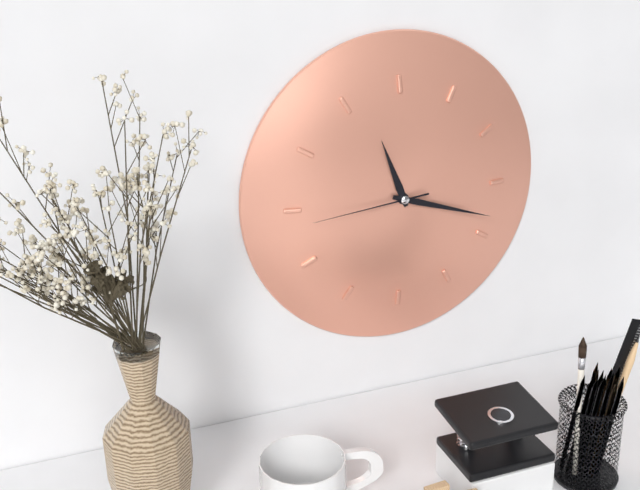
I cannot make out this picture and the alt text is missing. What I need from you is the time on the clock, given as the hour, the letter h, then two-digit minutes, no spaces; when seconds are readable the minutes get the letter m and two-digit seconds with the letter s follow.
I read 11h18m44s
